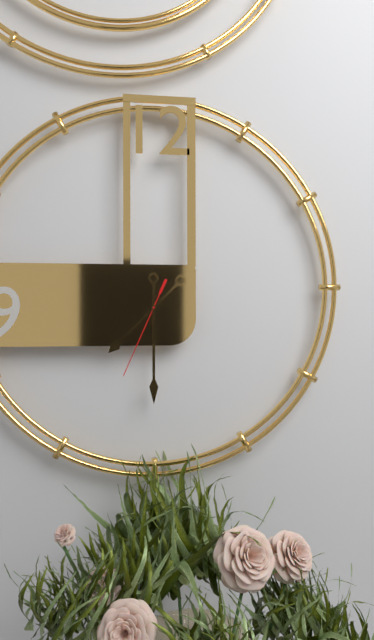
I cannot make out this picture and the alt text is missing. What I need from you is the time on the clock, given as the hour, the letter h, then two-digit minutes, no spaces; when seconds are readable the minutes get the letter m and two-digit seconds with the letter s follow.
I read 7h30m34s
